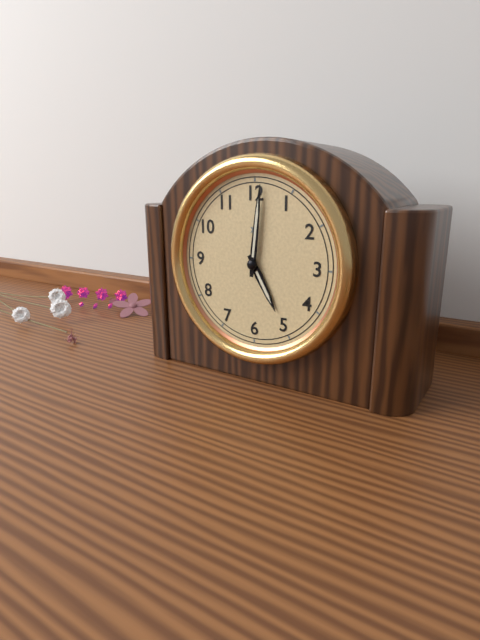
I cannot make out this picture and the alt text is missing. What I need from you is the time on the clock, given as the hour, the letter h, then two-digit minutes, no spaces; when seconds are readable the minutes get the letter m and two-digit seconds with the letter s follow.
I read 5h01
